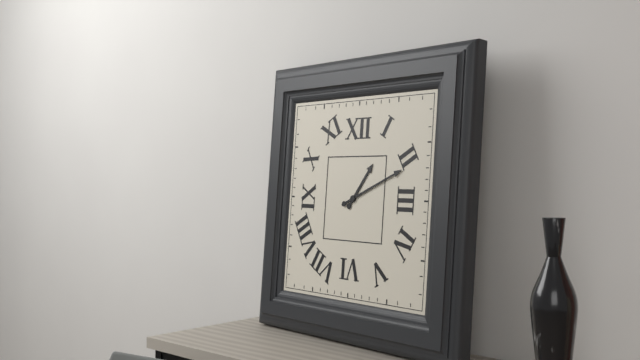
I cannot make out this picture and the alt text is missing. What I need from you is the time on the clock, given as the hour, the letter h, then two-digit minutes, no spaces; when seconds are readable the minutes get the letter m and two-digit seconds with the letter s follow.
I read 1h11
